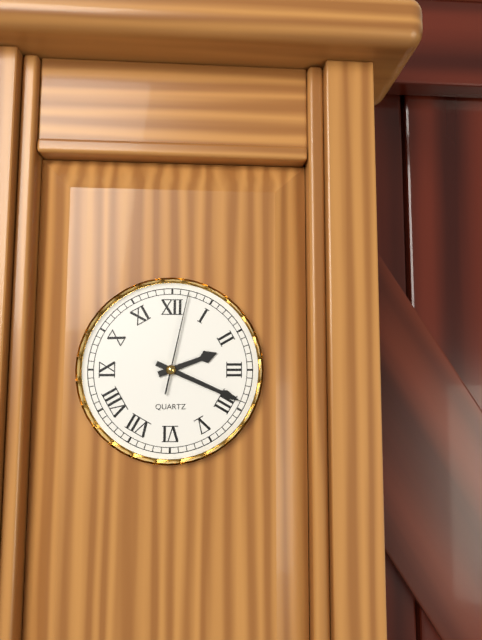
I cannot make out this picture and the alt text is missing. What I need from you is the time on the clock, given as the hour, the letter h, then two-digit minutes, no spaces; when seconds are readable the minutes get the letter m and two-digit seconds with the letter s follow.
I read 2h19m02s
